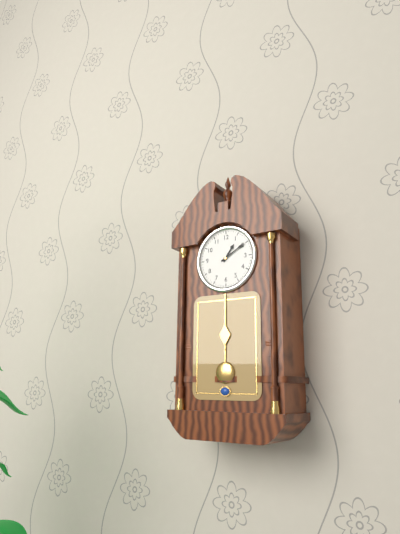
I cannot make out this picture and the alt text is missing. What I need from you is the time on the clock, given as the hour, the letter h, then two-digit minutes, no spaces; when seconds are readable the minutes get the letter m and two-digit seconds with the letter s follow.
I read 1h10
